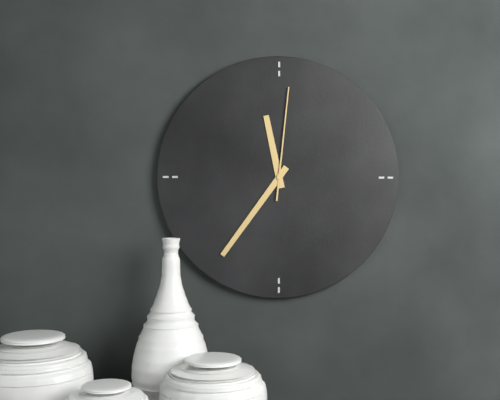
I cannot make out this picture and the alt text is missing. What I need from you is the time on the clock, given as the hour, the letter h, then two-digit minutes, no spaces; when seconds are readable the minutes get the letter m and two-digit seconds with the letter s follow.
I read 11h36m01s
